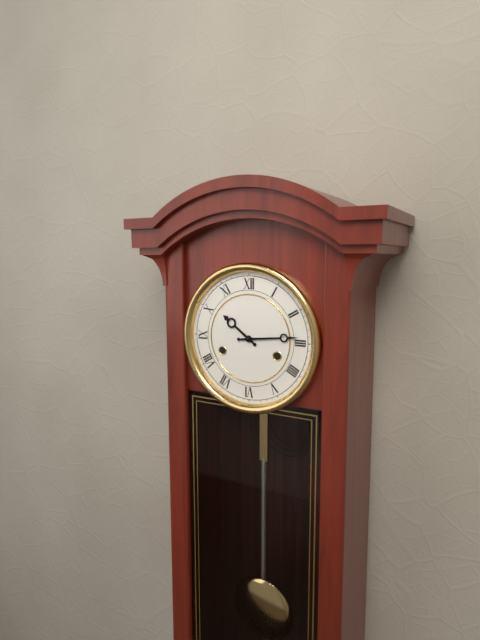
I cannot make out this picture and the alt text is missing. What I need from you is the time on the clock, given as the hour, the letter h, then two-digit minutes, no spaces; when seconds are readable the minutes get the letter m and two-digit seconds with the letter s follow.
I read 10h14
